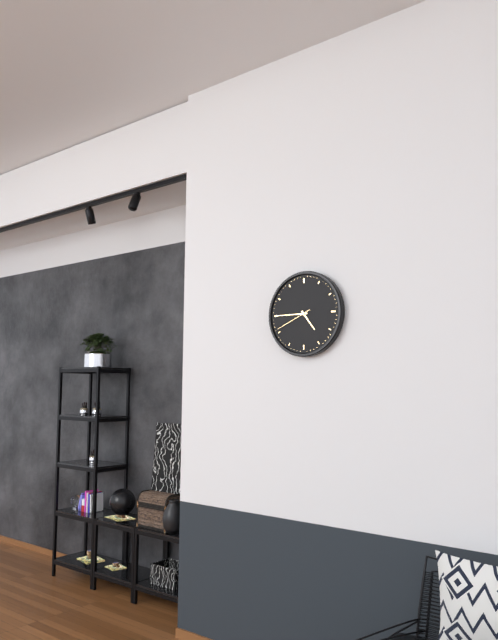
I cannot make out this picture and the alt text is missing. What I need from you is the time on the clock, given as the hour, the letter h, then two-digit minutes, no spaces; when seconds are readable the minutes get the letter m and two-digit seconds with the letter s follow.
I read 4h45
